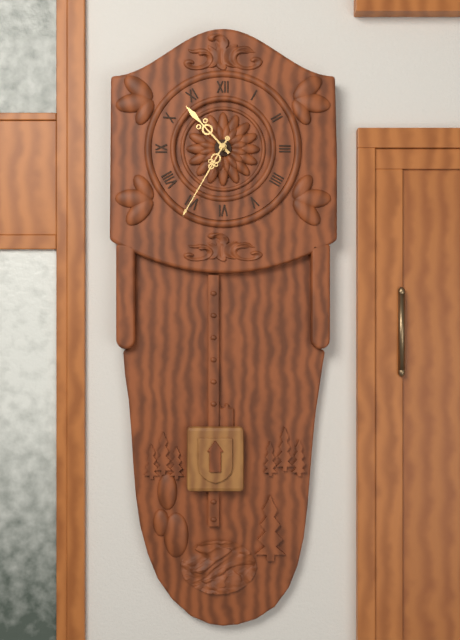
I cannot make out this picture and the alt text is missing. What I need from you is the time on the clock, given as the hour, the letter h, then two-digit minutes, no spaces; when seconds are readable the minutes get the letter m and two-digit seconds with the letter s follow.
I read 10h35
